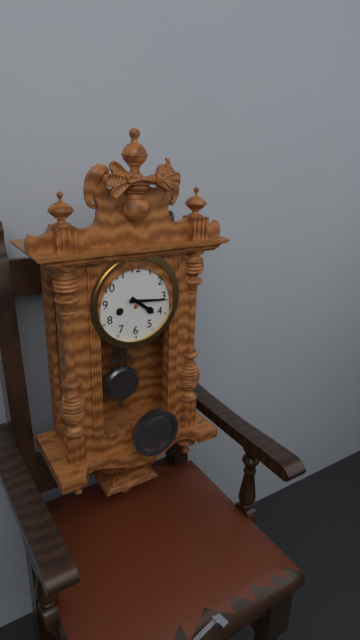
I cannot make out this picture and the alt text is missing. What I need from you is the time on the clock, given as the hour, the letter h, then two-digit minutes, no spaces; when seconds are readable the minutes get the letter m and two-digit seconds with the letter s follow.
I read 4h16
